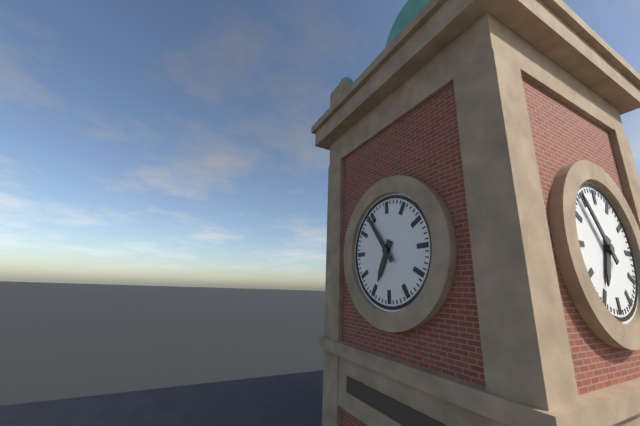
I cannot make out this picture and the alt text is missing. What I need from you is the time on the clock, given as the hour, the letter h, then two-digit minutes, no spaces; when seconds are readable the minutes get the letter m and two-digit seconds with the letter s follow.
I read 6h54
